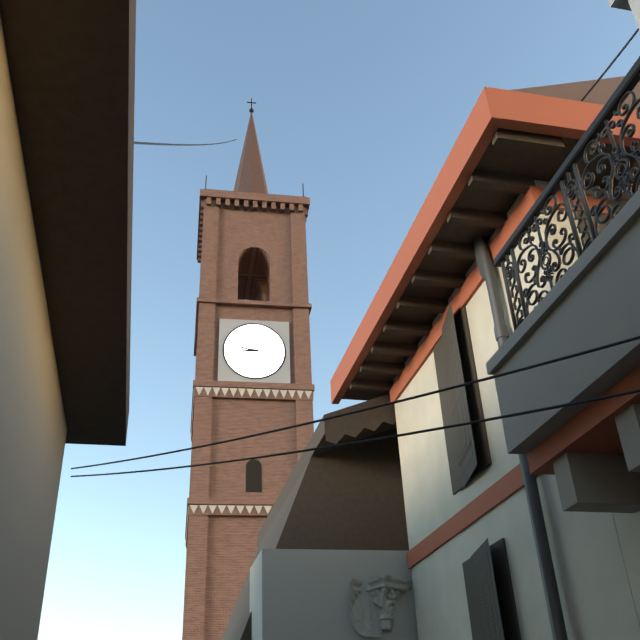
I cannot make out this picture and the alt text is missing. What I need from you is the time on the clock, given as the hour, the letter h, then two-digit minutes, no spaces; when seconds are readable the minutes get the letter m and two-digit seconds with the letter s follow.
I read 8h47
